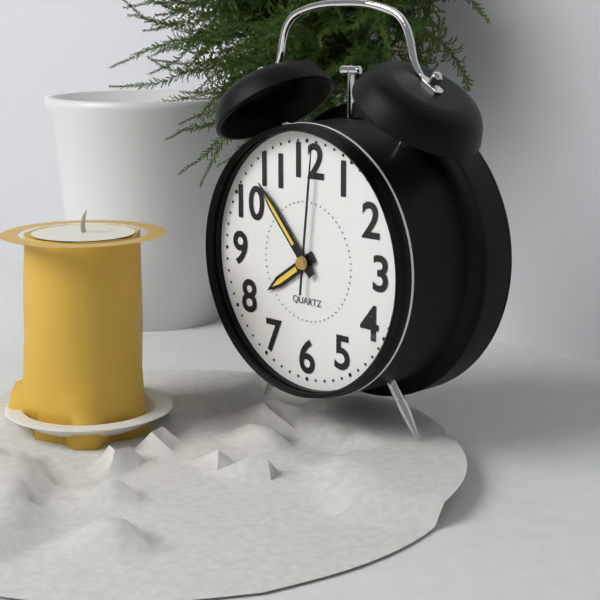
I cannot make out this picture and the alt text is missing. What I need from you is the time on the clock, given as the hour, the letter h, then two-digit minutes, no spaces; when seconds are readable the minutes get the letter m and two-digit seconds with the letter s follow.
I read 7h53m01s
